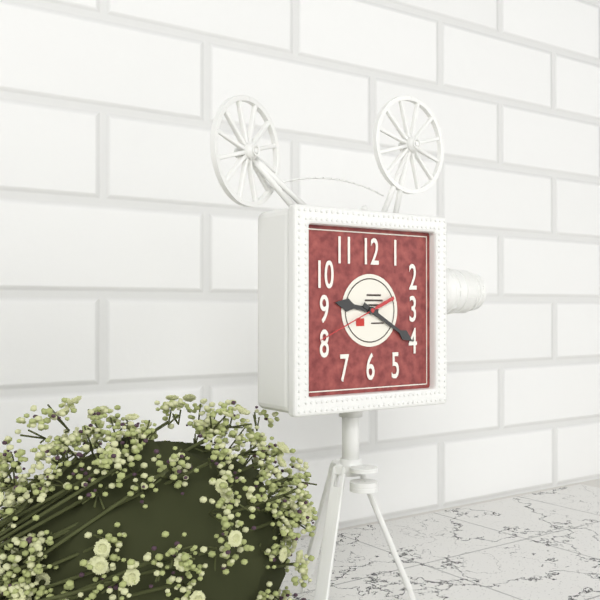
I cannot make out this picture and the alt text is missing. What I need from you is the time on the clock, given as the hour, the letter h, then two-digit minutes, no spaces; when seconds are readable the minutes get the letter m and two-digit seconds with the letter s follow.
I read 9h20m41s
